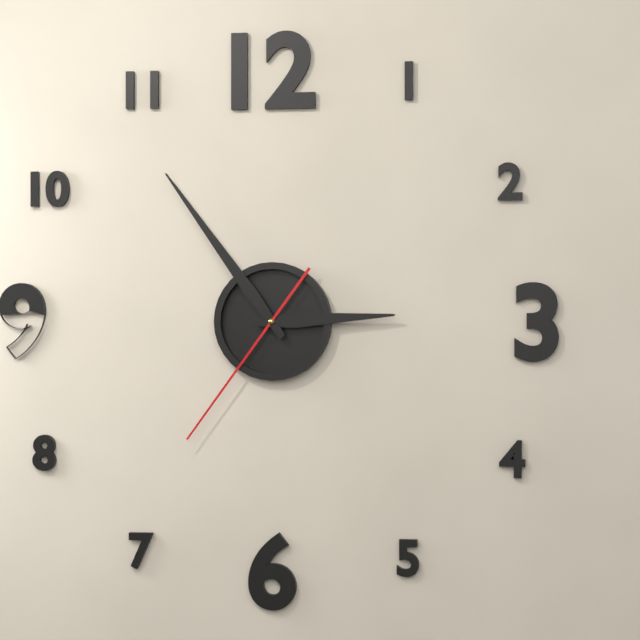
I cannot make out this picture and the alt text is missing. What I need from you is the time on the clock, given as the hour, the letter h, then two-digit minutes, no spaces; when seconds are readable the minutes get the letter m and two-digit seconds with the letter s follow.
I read 2h54m36s
